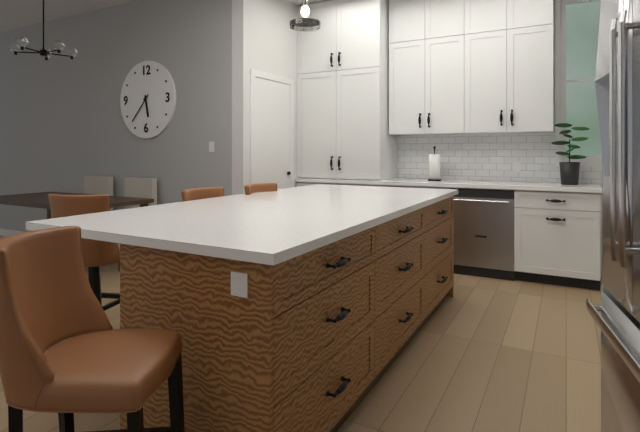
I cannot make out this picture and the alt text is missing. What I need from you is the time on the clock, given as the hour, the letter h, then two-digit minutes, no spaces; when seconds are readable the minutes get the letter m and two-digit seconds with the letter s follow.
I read 5h37
